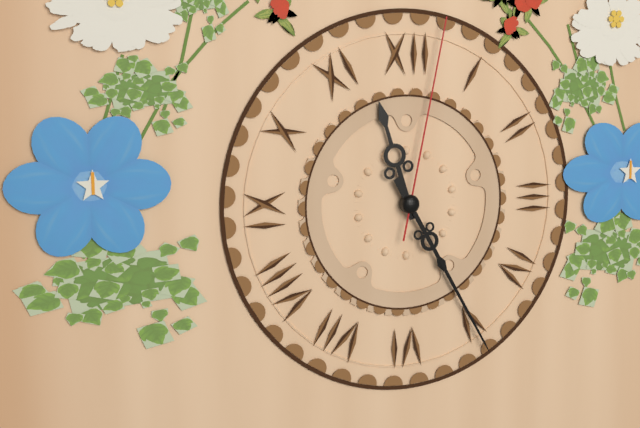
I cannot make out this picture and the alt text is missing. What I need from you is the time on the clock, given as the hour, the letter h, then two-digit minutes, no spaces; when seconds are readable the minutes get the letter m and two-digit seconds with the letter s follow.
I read 11h25m02s
